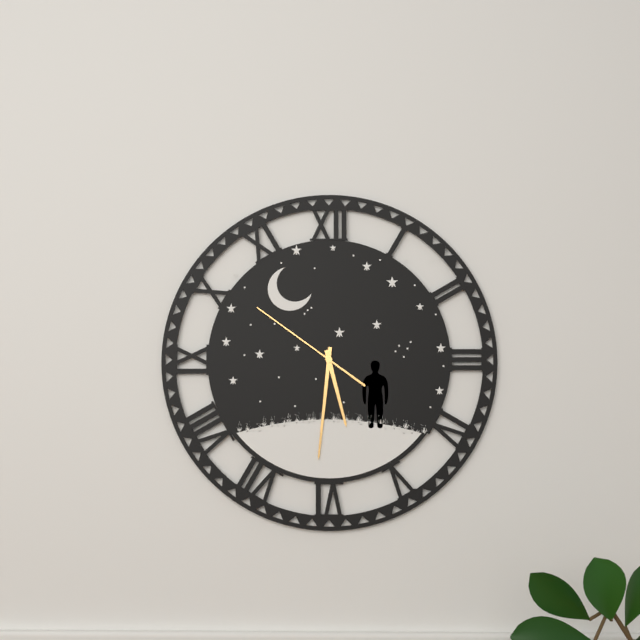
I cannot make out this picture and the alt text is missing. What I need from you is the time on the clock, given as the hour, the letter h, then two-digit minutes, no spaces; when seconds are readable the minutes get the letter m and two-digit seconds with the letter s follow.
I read 5h31m51s
